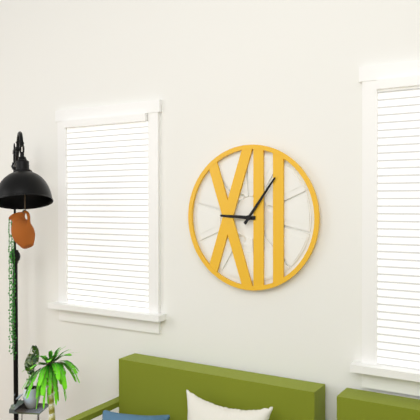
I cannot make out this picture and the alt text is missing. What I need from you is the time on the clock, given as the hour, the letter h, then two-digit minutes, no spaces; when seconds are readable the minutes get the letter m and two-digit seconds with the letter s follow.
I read 9h06
